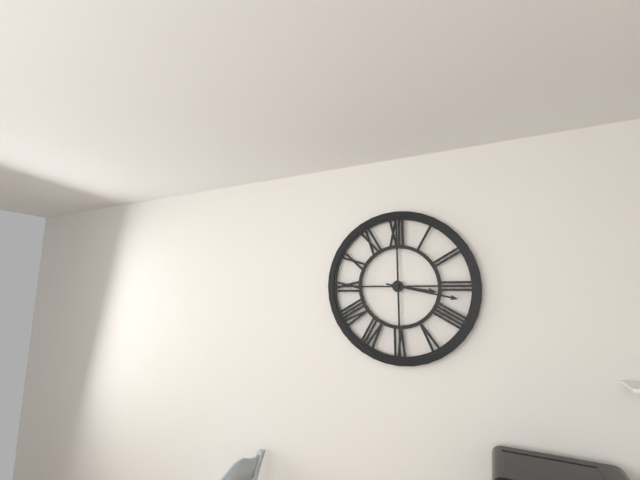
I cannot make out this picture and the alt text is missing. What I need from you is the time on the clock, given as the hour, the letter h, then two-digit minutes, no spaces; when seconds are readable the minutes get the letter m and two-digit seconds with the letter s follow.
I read 3h17
